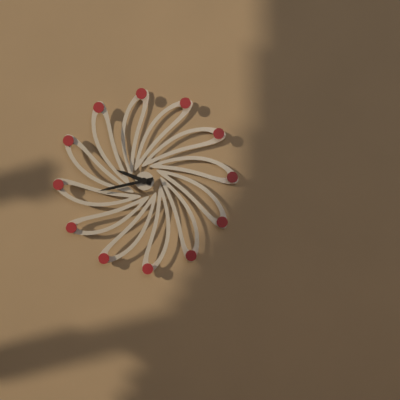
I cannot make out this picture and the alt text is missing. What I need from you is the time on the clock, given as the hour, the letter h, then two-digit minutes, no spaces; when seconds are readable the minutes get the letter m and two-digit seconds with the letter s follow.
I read 9h43
